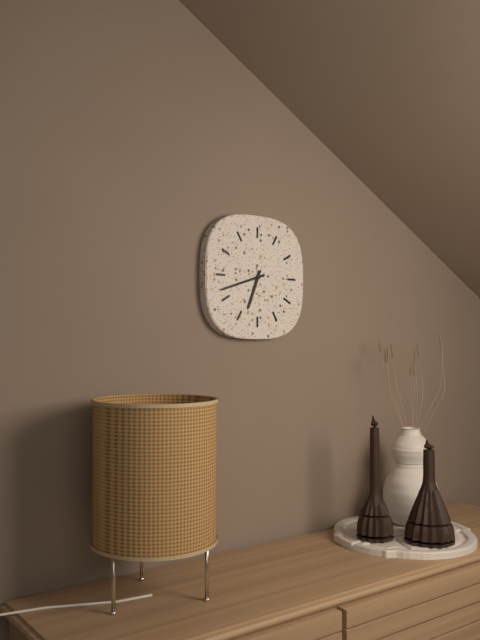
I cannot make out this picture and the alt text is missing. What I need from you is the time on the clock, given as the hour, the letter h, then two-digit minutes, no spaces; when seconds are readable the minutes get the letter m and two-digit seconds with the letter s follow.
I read 6h42
